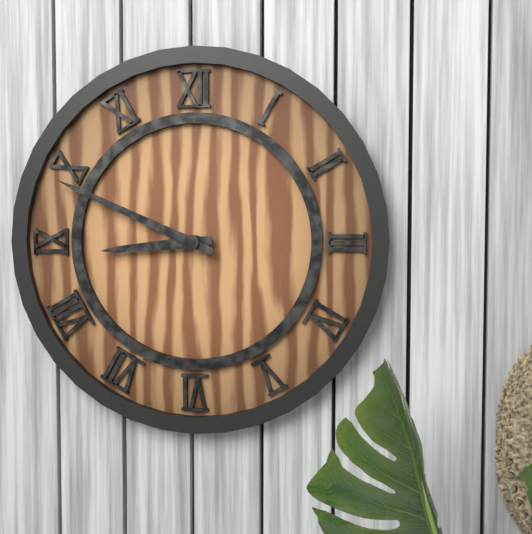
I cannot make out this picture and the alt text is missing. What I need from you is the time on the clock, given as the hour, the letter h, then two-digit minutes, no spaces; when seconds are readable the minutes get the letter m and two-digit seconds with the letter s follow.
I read 8h49
